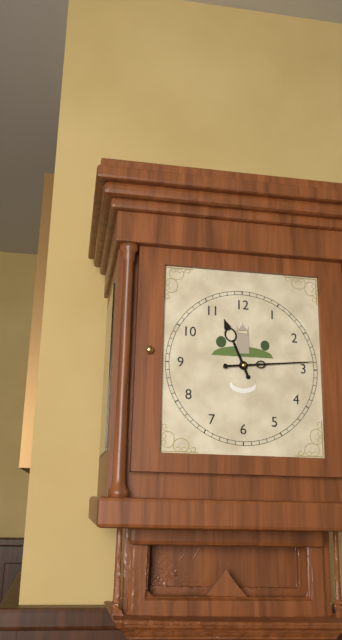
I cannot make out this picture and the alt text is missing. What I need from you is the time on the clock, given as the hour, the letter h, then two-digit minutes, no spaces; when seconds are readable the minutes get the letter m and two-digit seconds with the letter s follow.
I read 11h14
